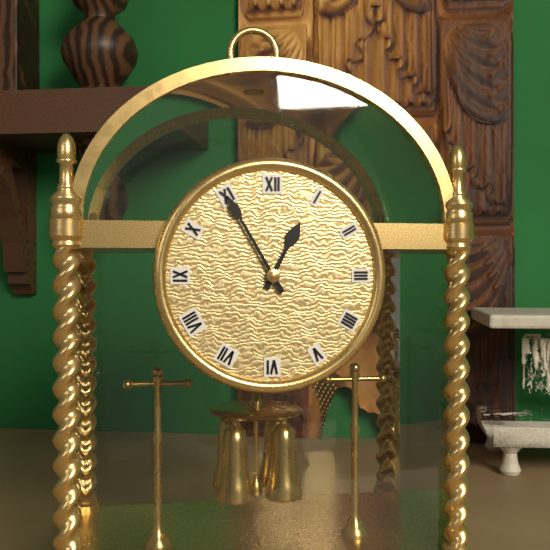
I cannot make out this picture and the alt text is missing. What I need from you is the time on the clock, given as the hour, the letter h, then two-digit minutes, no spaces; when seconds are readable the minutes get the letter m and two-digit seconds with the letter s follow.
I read 12h55
